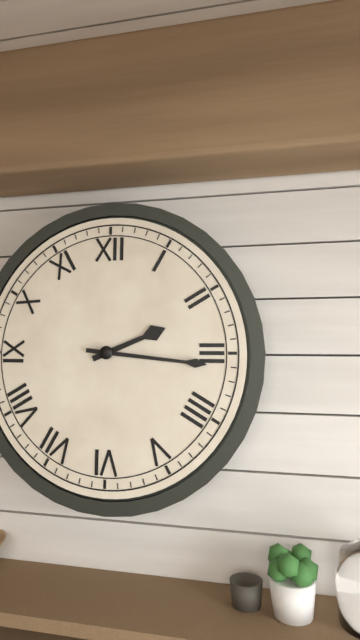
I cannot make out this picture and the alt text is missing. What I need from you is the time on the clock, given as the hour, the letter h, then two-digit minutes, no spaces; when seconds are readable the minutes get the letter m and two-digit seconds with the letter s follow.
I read 2h16
